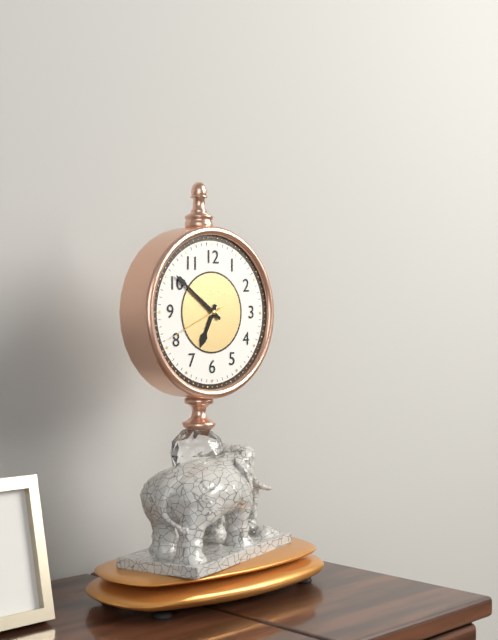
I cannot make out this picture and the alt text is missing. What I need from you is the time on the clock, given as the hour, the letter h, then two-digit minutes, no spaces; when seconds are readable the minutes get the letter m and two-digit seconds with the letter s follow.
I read 6h51m41s
